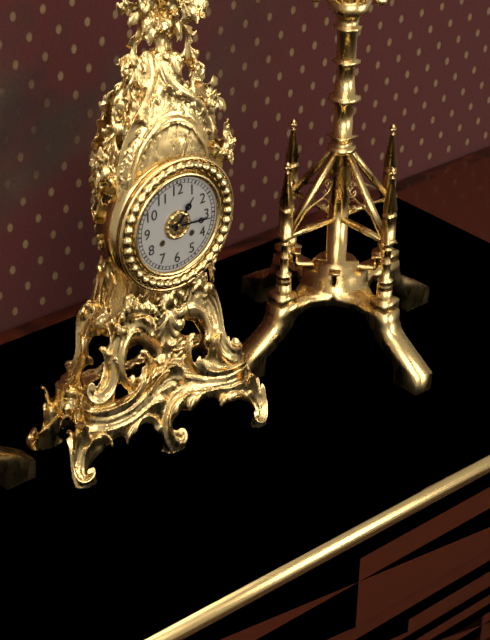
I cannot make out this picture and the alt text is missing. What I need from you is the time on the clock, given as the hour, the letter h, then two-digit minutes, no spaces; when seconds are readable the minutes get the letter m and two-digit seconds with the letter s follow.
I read 1h16
